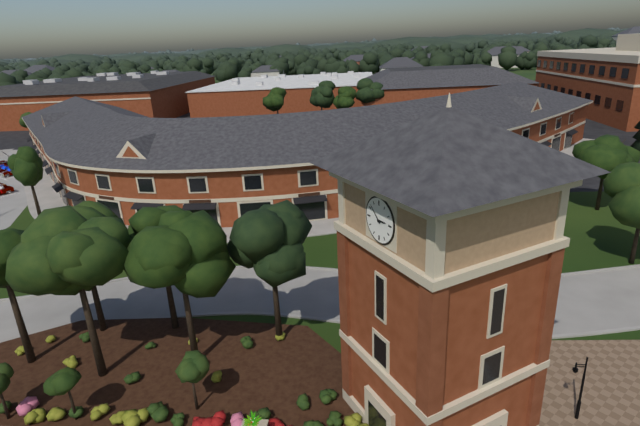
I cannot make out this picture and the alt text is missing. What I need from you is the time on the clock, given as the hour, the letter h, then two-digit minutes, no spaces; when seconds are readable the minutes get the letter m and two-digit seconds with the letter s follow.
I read 2h52
